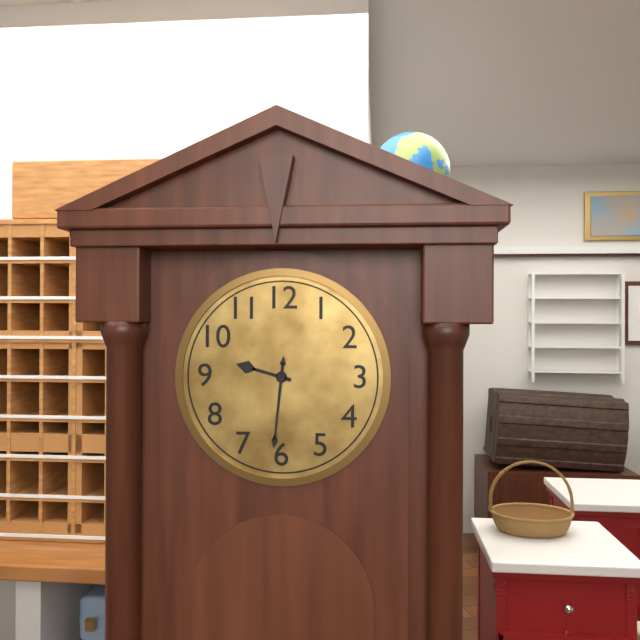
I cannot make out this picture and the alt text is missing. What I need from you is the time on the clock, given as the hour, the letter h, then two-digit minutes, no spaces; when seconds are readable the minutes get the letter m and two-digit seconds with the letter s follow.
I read 9h31
